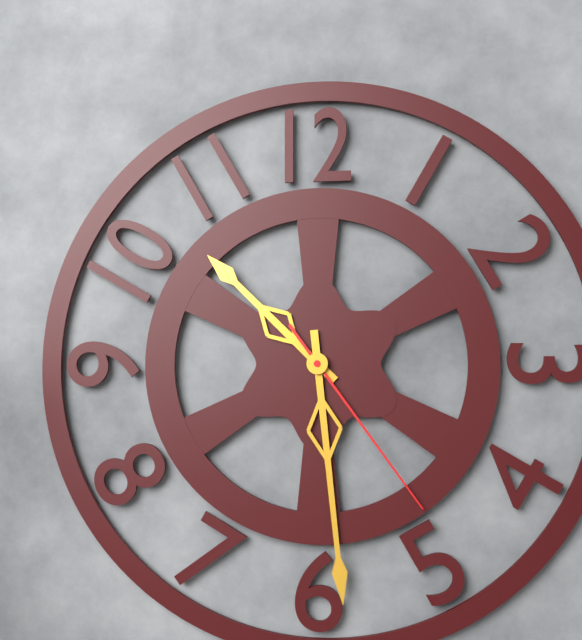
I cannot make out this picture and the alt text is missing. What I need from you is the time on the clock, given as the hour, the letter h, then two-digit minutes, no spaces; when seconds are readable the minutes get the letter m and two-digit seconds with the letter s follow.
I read 10h29m24s
